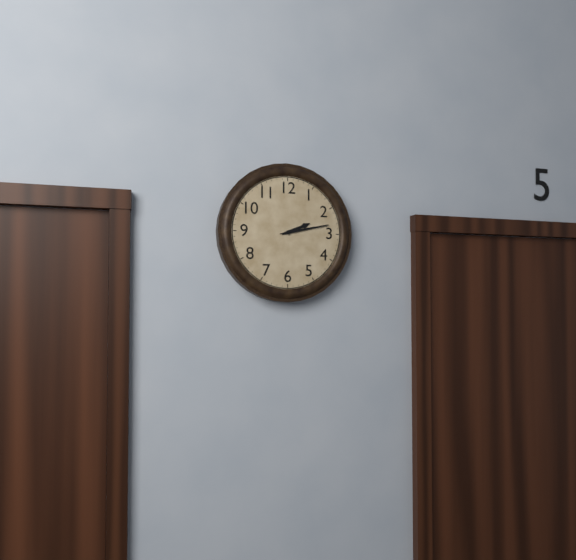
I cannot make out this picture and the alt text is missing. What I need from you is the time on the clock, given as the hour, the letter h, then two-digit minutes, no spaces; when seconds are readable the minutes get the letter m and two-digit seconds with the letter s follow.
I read 2h13
